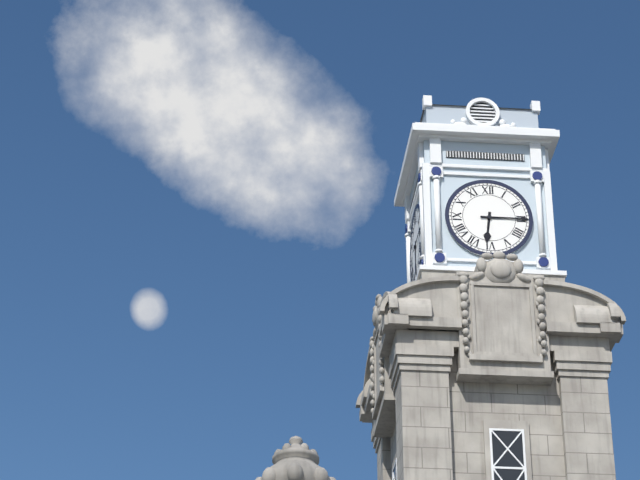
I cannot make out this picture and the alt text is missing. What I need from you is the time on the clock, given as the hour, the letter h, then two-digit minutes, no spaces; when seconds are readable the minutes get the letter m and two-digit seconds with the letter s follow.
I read 6h15
